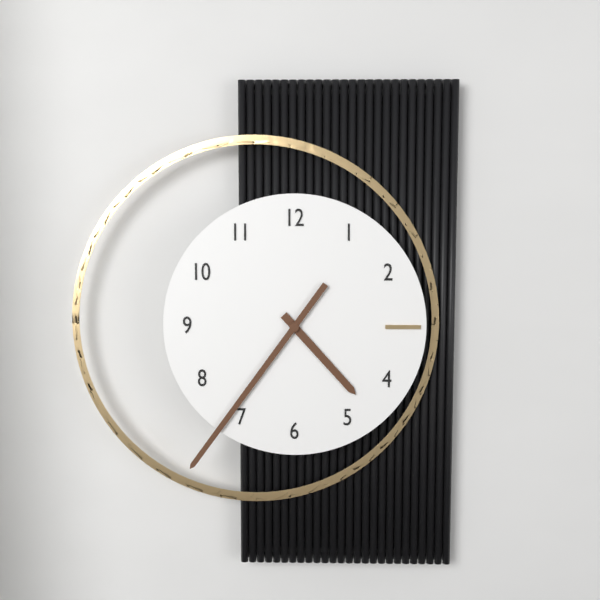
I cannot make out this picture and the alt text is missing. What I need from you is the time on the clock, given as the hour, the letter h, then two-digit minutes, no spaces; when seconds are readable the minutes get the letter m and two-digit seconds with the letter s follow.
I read 4h36
